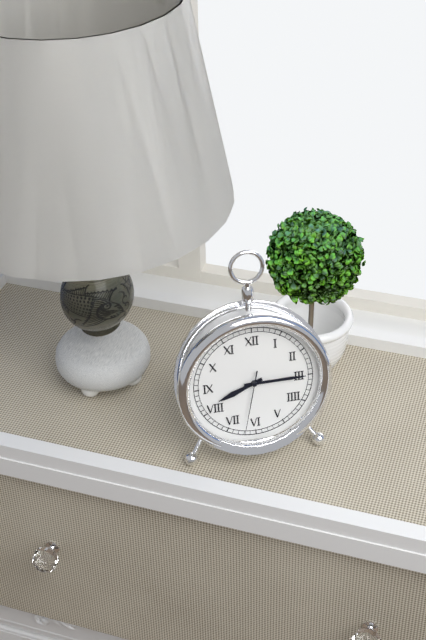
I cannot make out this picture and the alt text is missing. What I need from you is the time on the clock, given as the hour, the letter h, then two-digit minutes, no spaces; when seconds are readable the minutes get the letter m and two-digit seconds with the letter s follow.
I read 8h15m32s
